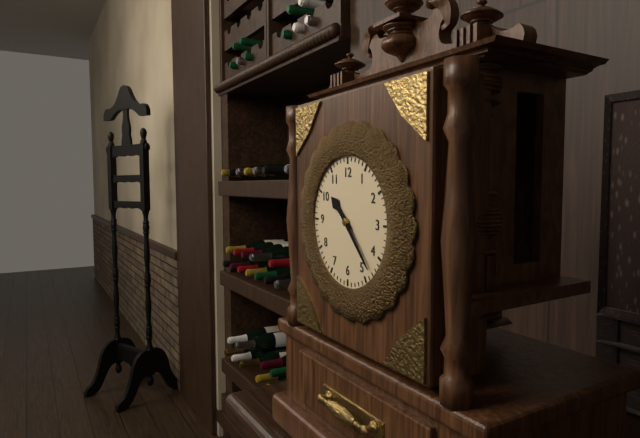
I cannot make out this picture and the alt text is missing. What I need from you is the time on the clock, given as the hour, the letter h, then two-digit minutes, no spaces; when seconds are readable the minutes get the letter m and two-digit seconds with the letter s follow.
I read 10h23
